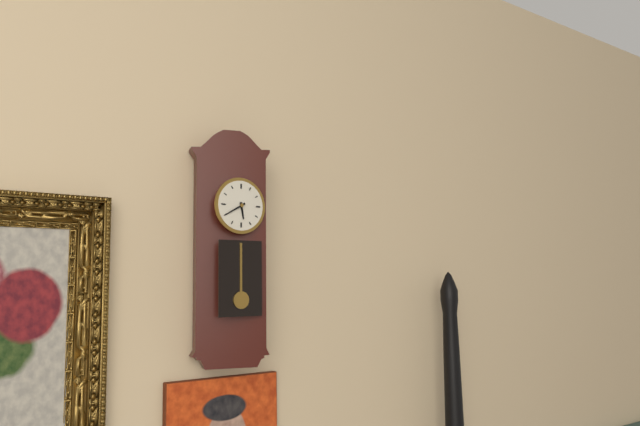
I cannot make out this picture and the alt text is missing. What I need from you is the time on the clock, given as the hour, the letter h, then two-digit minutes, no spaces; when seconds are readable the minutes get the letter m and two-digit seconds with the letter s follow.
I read 5h40
